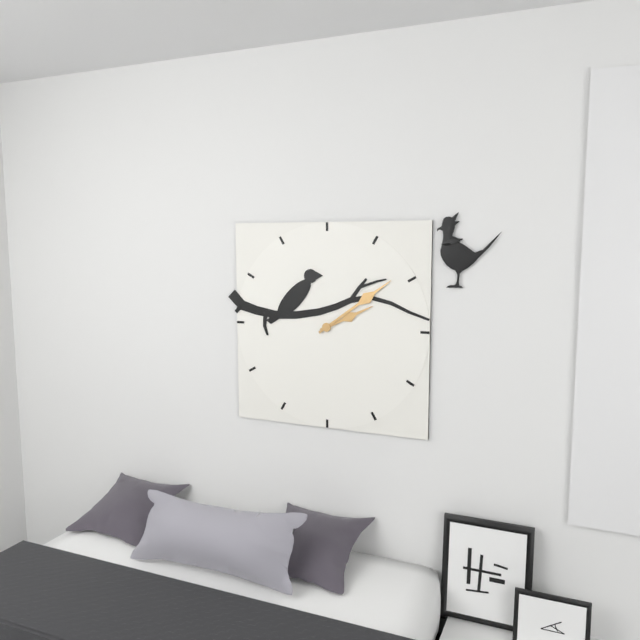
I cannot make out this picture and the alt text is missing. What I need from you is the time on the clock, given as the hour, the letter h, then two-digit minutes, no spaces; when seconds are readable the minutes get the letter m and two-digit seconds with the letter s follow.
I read 2h09
